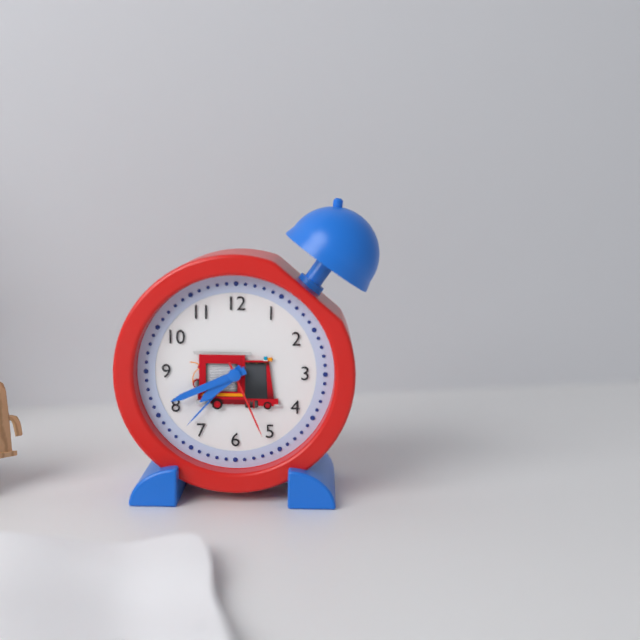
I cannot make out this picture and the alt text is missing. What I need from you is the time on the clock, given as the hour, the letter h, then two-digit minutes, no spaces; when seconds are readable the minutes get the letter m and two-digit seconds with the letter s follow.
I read 7h41m26s
